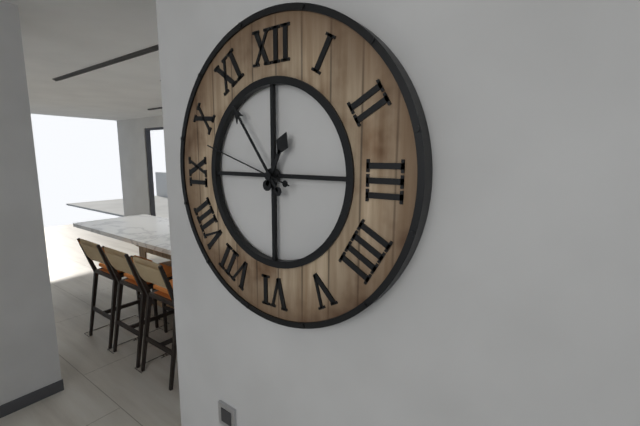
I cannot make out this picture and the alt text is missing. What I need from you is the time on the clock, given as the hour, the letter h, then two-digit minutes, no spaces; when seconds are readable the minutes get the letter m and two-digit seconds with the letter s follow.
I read 12h54m48s
